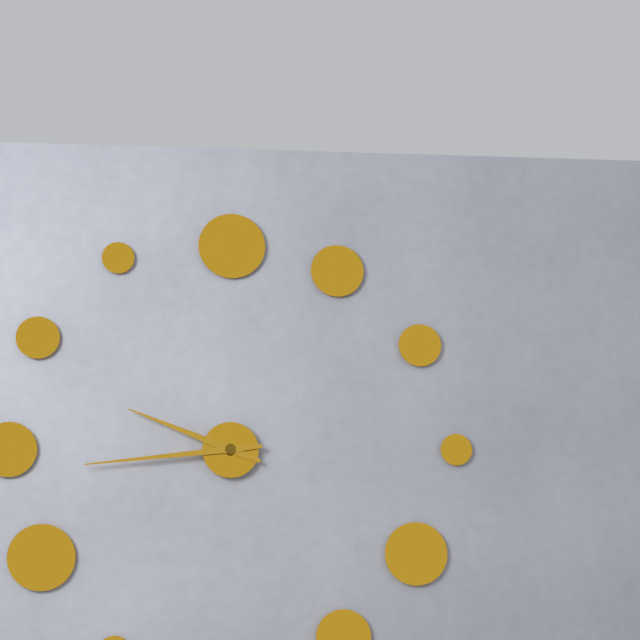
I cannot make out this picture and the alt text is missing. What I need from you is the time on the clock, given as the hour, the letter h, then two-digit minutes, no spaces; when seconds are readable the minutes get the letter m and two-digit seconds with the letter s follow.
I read 9h44
